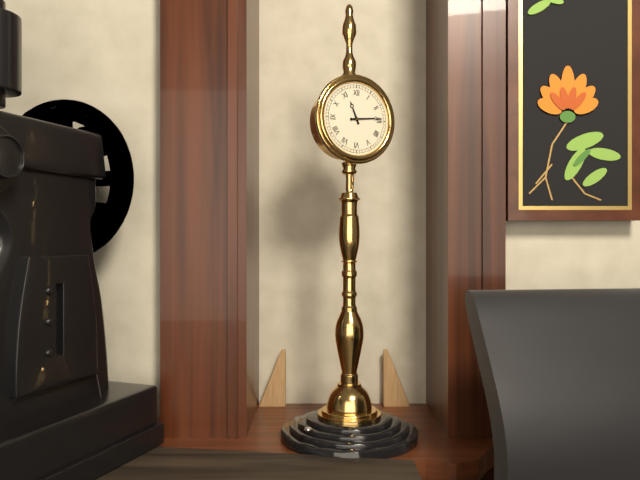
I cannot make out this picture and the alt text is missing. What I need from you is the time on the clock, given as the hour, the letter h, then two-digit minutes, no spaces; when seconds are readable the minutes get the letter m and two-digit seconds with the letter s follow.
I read 11h14
